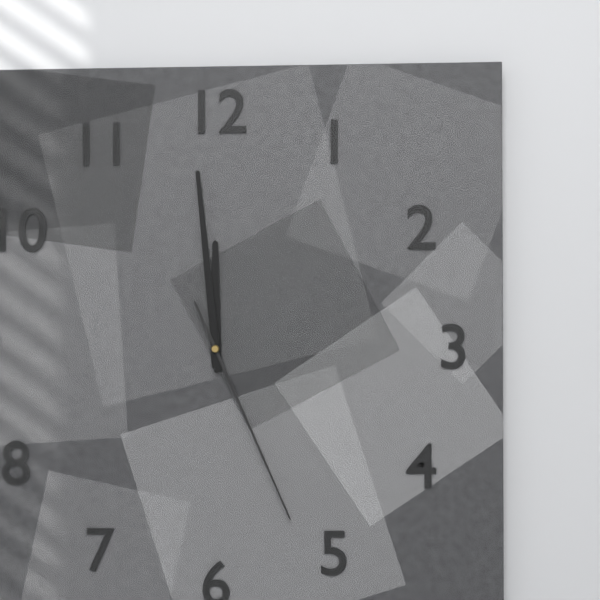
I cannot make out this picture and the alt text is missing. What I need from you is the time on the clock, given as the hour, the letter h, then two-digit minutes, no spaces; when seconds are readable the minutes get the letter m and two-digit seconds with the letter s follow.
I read 11h59m26s
